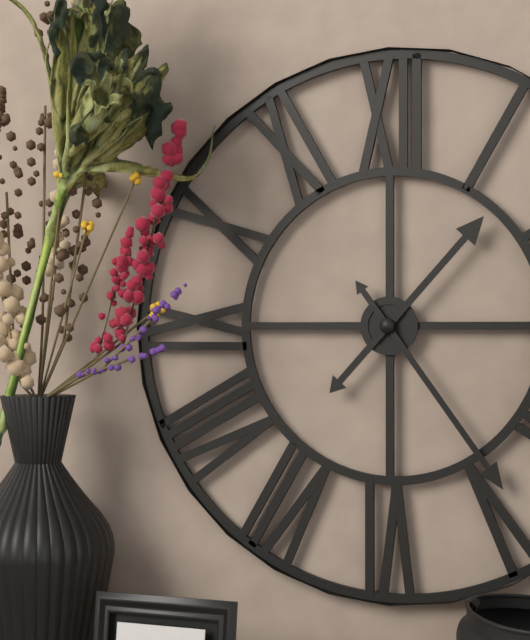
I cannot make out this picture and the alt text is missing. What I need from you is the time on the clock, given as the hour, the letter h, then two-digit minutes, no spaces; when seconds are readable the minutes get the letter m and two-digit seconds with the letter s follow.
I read 1h24
